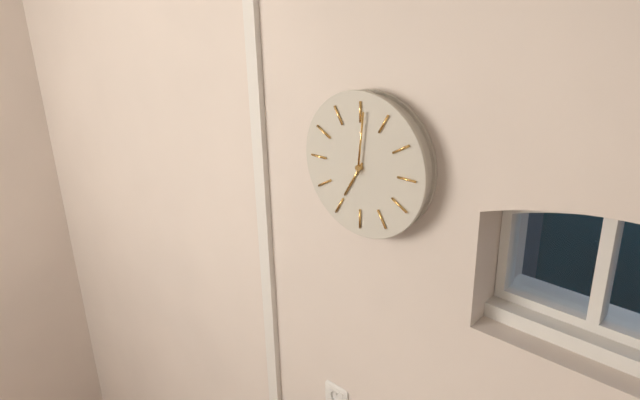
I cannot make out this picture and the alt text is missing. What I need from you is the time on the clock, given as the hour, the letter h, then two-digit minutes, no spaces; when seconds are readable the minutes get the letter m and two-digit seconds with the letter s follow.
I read 7h01
